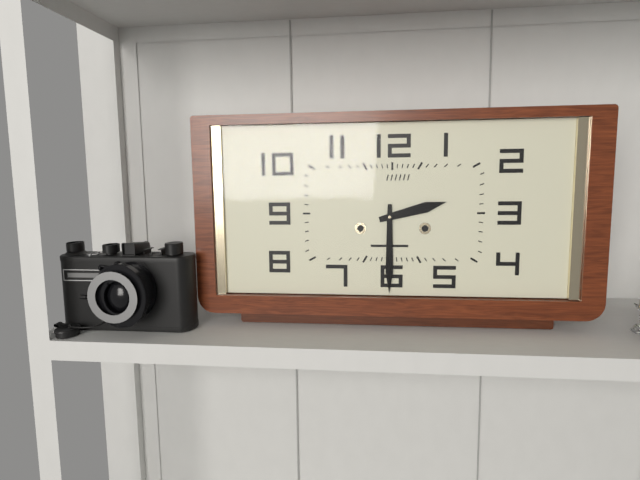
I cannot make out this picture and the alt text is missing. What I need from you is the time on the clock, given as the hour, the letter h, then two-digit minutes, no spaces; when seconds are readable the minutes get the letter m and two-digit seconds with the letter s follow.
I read 2h30
